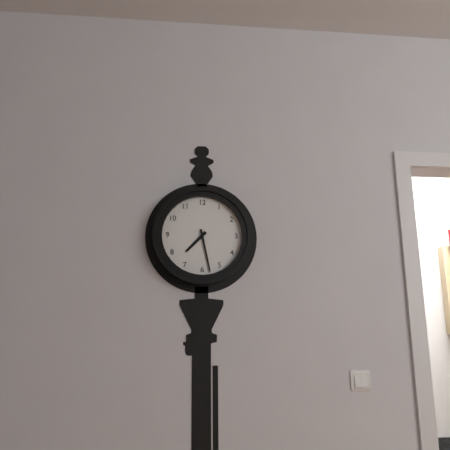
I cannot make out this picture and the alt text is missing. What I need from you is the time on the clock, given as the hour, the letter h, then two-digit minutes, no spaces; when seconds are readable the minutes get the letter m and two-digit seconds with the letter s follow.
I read 7h28
